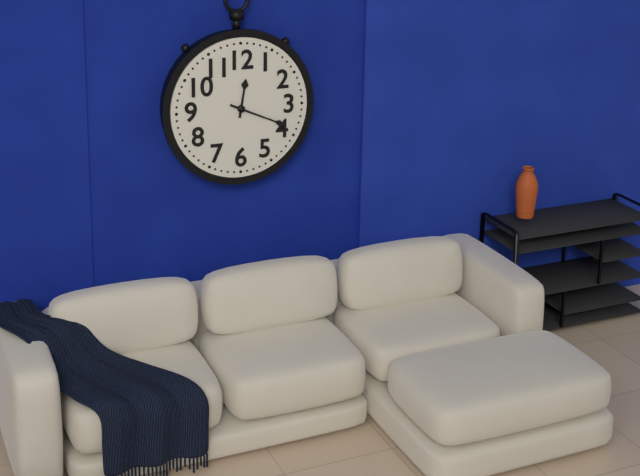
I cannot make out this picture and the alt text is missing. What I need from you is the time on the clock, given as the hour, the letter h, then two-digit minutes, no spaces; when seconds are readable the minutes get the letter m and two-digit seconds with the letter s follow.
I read 12h19
